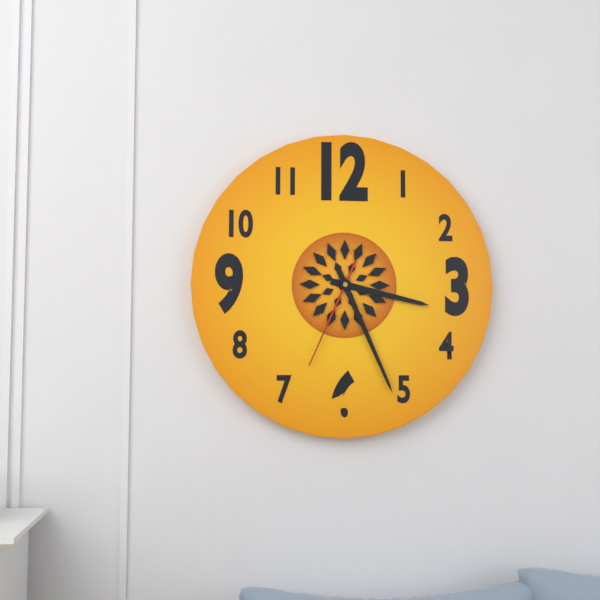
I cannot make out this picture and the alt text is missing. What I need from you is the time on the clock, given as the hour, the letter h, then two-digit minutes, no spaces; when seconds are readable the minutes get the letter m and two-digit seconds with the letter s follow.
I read 3h26m34s
